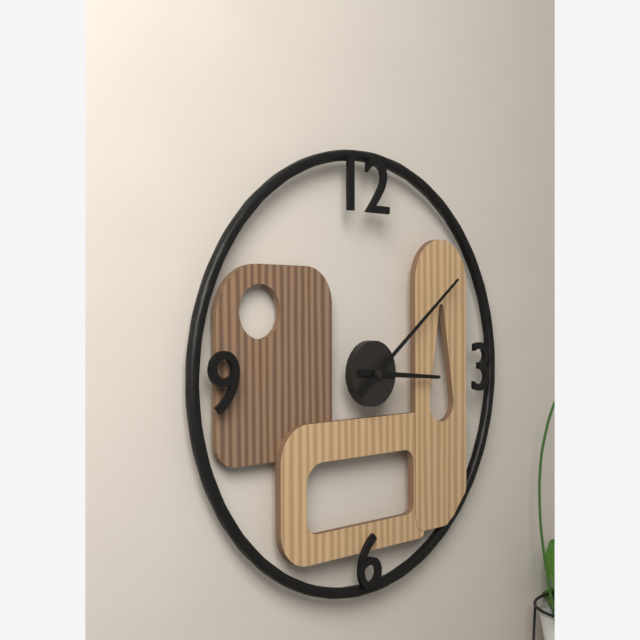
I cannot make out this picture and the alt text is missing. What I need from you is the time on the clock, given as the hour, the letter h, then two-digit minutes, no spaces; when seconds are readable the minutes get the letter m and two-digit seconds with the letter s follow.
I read 3h09
